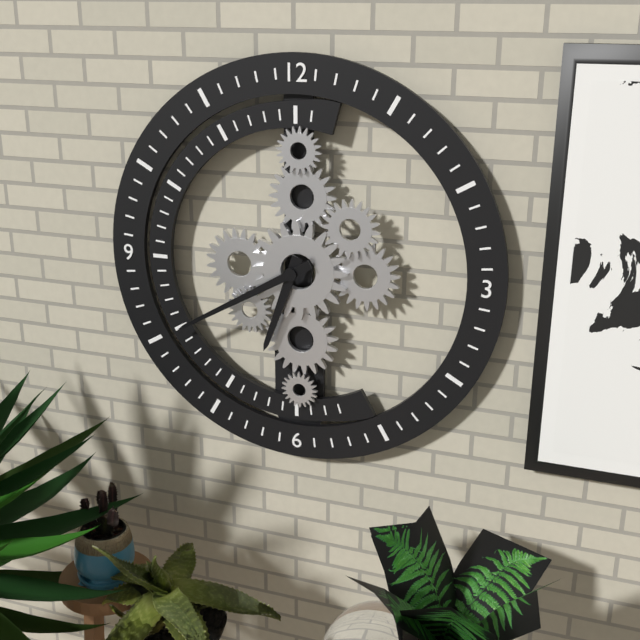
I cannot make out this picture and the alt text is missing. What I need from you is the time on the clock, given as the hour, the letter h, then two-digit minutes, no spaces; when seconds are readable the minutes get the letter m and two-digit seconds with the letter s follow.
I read 6h40
